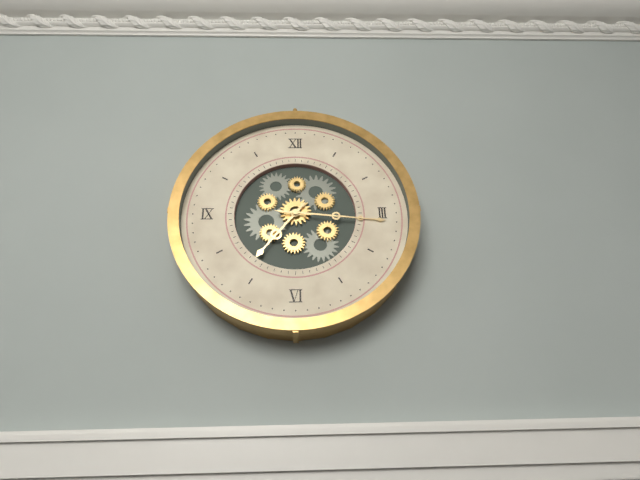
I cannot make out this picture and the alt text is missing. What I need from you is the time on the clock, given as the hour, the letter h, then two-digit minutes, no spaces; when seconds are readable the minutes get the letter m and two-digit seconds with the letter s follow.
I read 7h16
